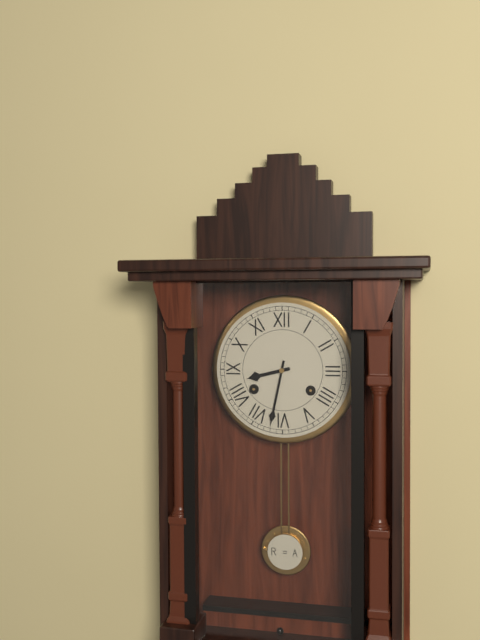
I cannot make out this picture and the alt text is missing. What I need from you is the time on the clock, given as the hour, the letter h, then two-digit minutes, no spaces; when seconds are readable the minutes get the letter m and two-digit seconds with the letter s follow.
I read 8h32
